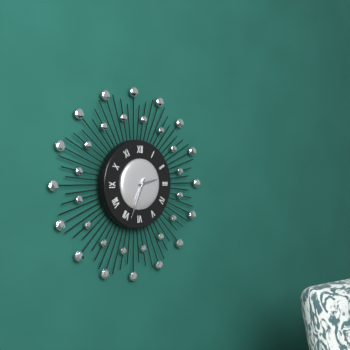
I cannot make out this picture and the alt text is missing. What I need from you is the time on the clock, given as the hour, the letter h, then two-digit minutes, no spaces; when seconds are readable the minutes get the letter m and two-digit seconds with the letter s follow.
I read 2h34
